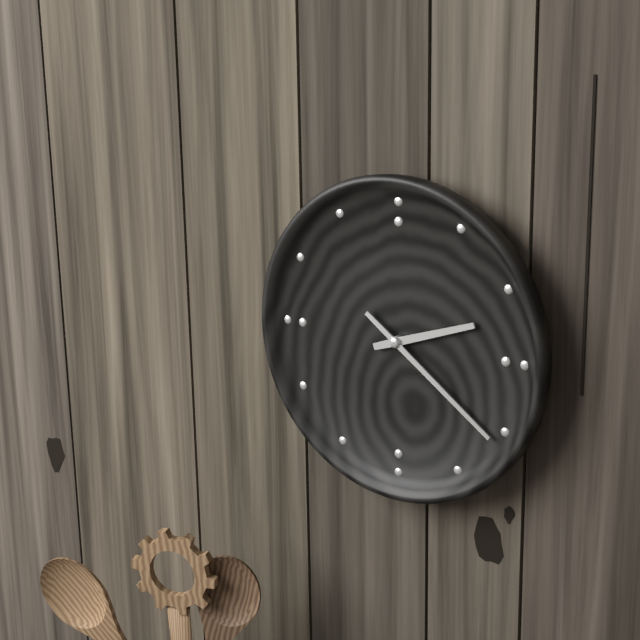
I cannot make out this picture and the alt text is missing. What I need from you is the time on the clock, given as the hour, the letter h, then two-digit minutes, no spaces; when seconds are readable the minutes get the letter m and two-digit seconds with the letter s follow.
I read 2h21
